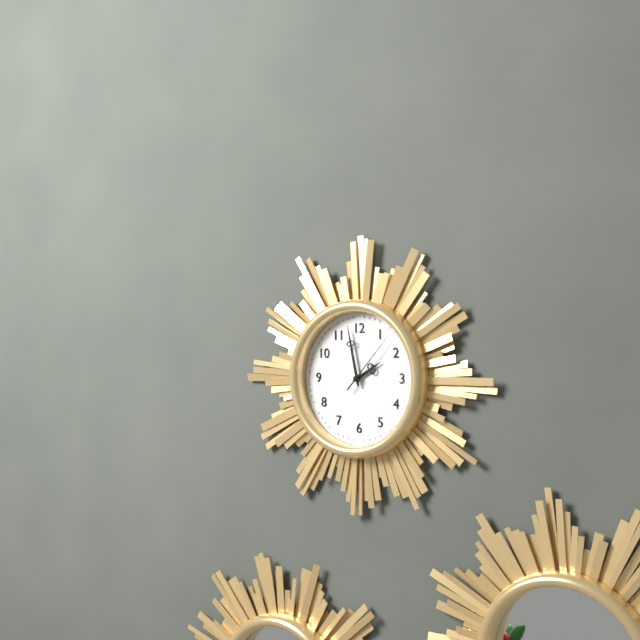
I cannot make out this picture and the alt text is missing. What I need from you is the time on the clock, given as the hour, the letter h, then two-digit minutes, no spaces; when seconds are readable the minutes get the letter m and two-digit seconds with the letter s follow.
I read 1h58m07s
